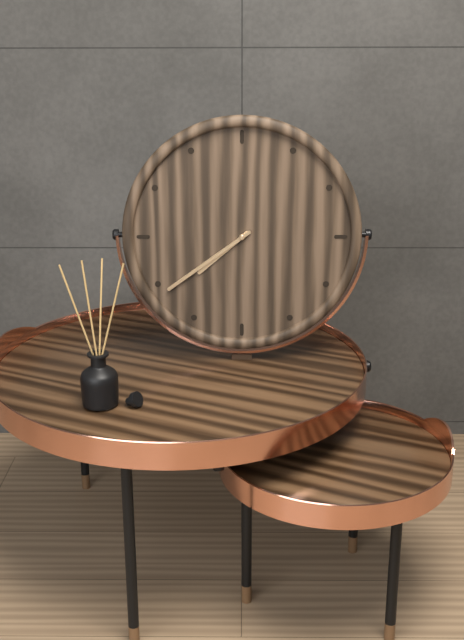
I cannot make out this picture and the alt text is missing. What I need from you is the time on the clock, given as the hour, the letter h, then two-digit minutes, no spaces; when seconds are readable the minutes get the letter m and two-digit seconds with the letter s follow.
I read 7h39
